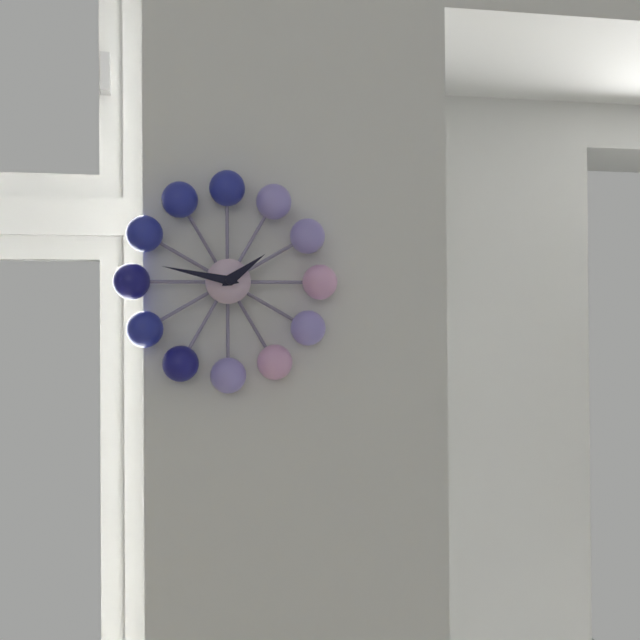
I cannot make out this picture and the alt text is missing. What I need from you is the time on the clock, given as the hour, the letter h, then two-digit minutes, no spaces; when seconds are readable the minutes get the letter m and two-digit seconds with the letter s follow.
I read 1h47
